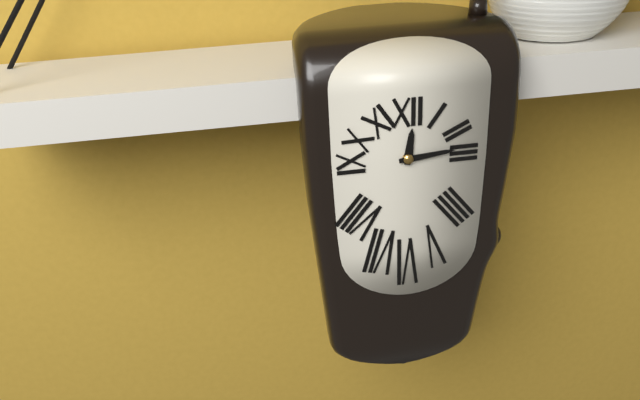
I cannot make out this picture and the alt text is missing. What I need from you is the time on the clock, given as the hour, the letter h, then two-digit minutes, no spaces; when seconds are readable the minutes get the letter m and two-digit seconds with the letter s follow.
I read 12h14
